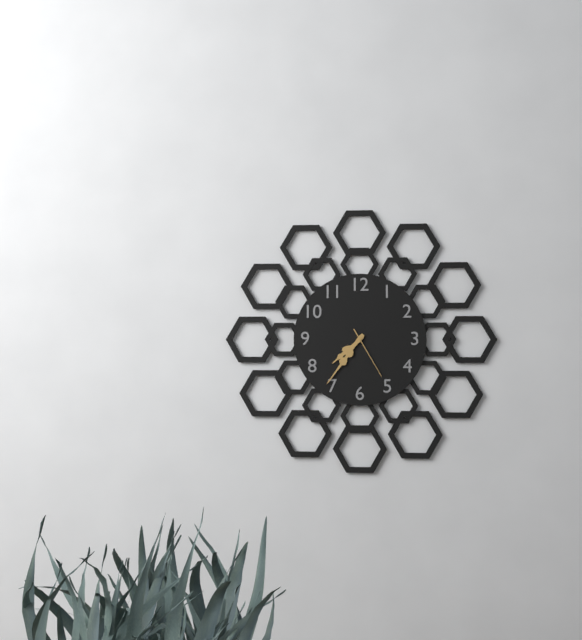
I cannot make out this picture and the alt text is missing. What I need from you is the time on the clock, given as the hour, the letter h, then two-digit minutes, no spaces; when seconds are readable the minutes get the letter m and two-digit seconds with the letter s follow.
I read 7h36m25s
